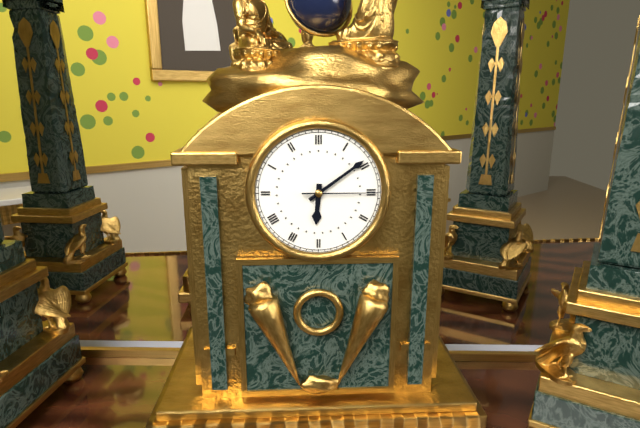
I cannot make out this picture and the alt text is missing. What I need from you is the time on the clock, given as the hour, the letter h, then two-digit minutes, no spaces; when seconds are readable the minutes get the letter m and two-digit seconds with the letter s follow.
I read 6h09m15s
